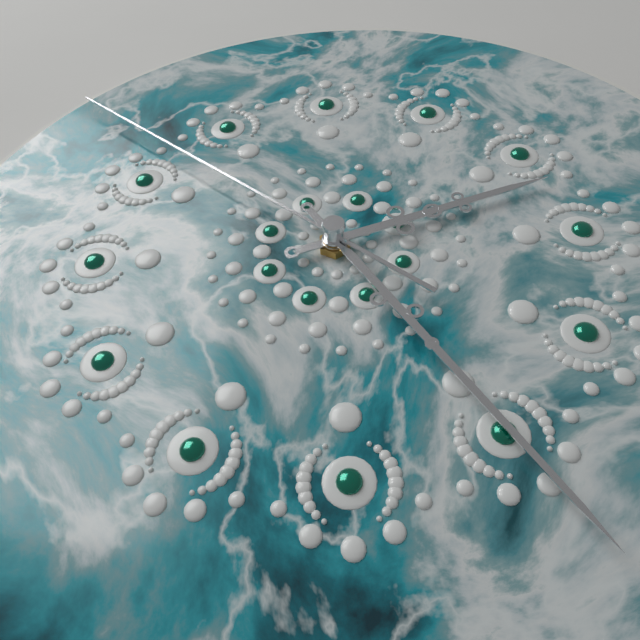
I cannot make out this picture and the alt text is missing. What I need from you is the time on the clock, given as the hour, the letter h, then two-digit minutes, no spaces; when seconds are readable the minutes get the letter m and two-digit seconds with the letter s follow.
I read 2h25m52s
